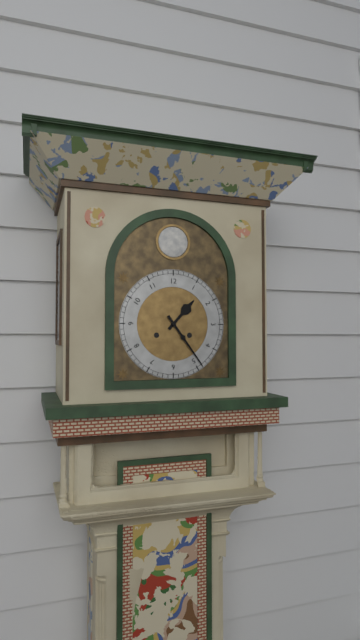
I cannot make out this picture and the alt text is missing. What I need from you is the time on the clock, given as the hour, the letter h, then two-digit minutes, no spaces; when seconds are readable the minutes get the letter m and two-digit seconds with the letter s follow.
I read 1h24
